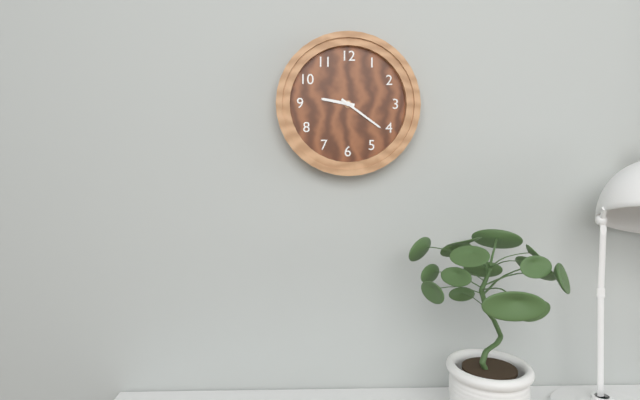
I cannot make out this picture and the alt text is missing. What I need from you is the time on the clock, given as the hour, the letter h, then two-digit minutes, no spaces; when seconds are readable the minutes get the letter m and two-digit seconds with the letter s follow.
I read 9h21
